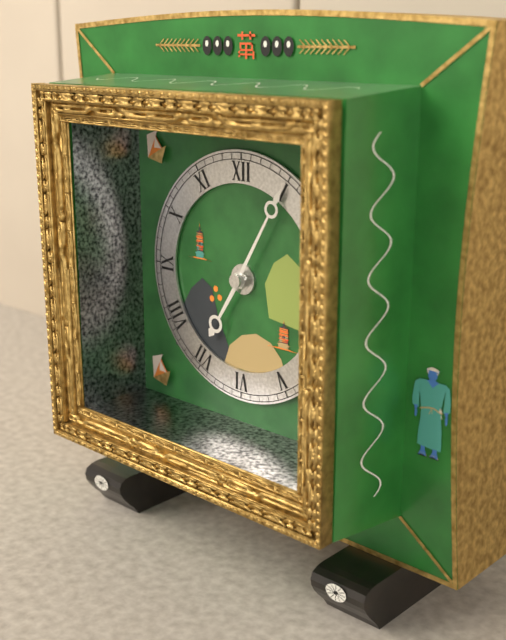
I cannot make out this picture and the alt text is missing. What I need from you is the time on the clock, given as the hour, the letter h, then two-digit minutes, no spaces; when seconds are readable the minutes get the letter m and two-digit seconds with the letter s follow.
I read 7h05
